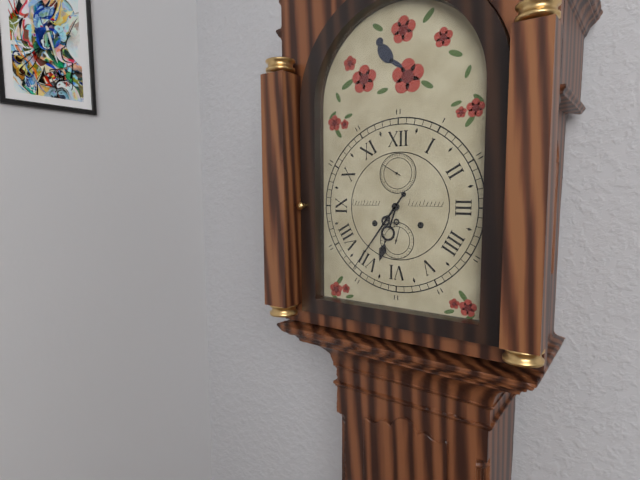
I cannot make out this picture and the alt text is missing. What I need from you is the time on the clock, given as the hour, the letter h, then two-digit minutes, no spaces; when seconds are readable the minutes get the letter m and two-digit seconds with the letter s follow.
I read 6h36
